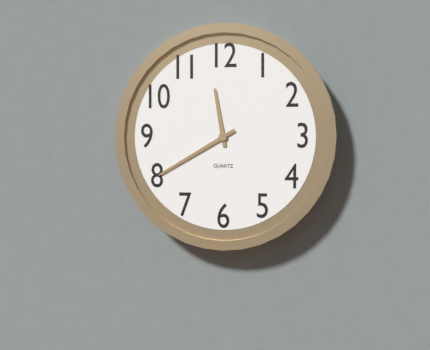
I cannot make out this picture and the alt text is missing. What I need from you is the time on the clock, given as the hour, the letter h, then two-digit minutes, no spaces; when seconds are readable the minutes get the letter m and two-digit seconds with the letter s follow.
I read 11h40
